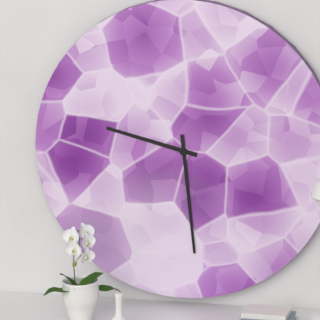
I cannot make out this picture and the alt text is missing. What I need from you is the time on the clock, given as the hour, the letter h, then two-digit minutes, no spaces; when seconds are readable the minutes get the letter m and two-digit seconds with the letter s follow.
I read 9h29
